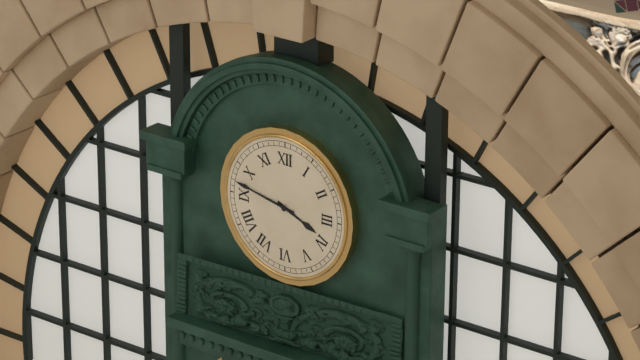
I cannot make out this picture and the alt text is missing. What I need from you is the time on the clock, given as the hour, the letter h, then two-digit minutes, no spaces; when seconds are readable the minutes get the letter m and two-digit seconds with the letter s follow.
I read 3h47
